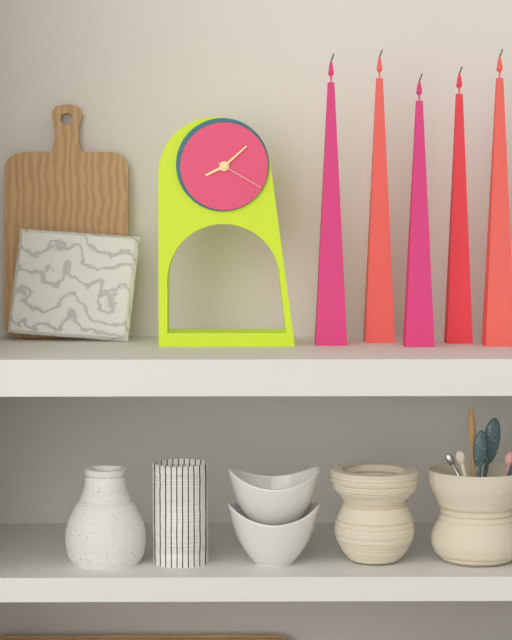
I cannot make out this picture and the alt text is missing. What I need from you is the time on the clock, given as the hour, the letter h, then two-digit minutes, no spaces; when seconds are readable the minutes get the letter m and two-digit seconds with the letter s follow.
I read 8h08m20s
